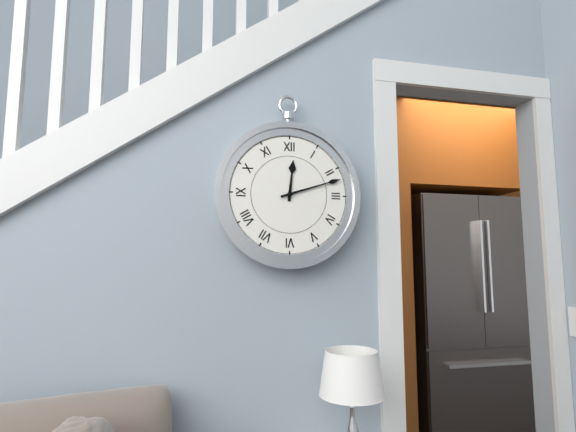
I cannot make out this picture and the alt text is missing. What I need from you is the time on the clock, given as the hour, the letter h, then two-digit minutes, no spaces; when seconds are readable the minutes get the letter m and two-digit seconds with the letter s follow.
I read 12h12
